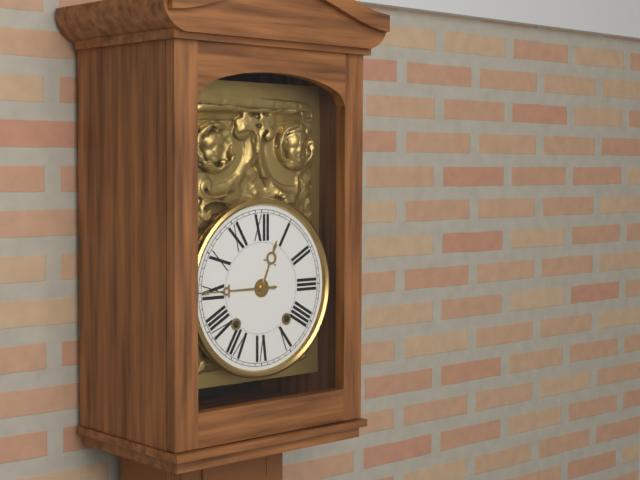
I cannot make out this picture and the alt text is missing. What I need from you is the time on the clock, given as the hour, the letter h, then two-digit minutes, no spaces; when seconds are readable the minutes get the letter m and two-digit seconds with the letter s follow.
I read 12h45
